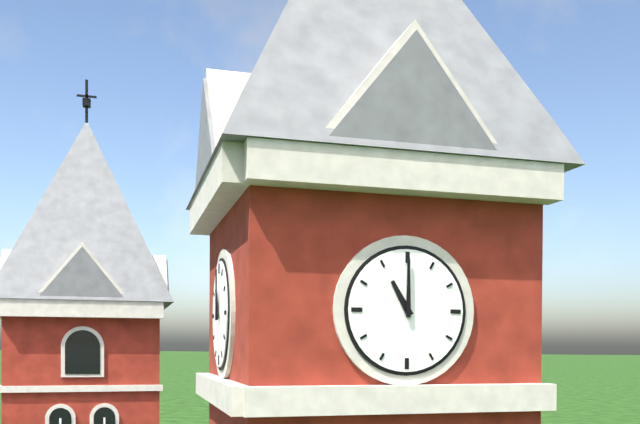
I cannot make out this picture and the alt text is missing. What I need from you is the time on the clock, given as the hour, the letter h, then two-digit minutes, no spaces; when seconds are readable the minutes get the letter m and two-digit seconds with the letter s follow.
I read 11h00
